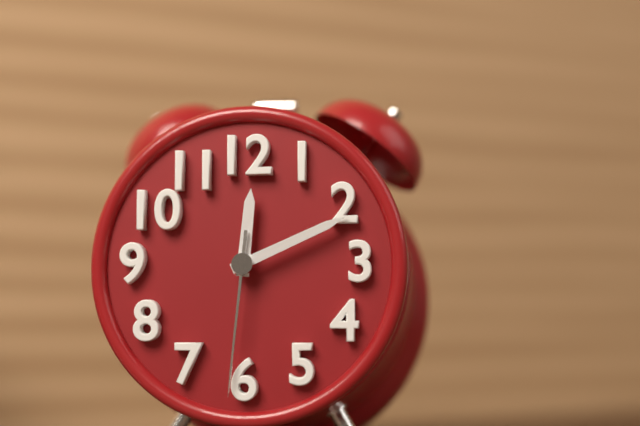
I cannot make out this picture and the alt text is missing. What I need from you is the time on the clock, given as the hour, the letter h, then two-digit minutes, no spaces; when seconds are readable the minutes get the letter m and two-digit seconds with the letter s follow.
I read 12h11m31s
